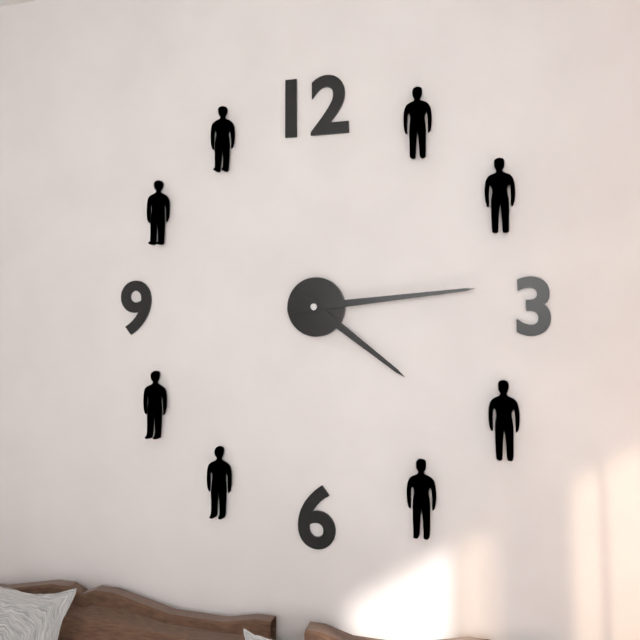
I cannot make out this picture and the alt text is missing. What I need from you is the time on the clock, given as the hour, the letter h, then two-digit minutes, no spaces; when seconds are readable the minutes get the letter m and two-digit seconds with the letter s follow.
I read 4h14
